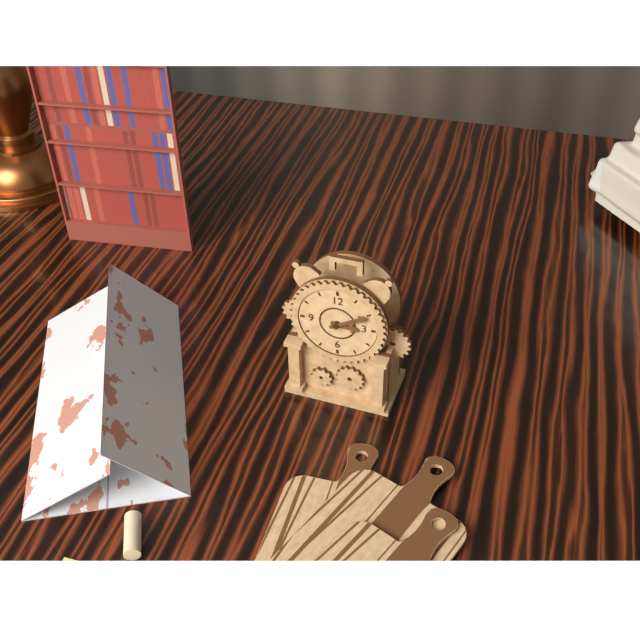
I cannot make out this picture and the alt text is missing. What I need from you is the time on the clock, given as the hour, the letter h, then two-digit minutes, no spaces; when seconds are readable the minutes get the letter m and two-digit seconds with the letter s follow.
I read 3h10
